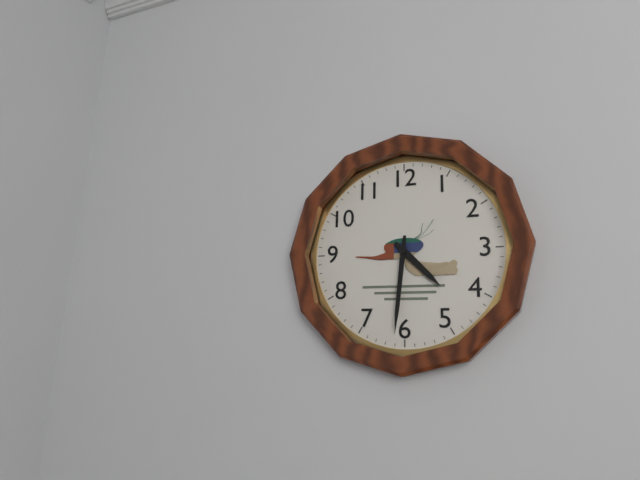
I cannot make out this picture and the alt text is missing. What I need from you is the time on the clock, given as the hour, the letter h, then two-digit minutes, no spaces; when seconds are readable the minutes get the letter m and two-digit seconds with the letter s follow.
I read 4h31
